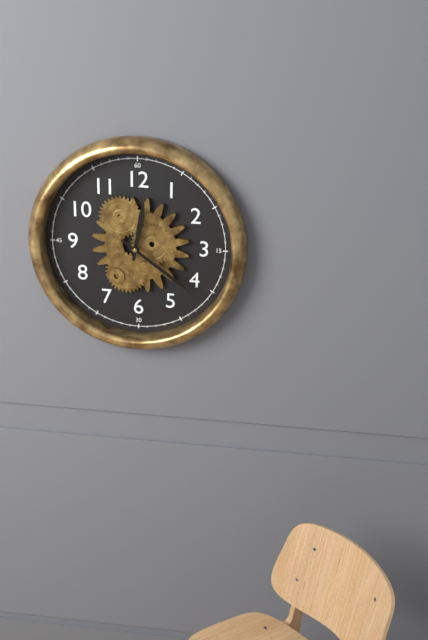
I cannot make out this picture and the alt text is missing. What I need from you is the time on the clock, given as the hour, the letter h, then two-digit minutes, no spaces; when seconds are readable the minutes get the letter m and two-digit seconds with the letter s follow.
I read 12h21
